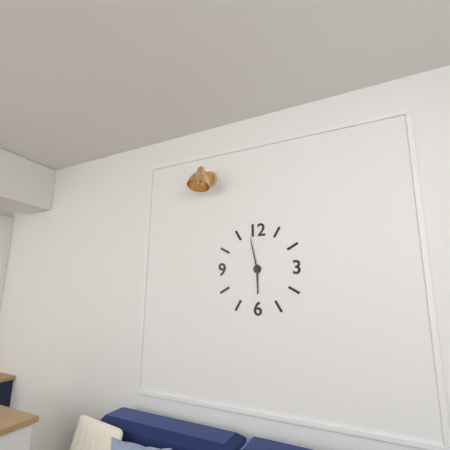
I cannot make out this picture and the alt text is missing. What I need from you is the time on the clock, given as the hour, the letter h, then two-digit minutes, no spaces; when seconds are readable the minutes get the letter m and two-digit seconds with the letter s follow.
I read 5h58
